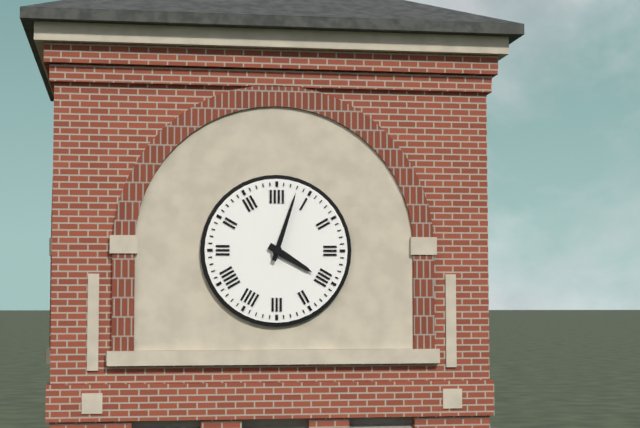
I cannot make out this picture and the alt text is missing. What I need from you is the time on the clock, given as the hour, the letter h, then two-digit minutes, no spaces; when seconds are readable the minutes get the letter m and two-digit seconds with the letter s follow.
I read 4h03
